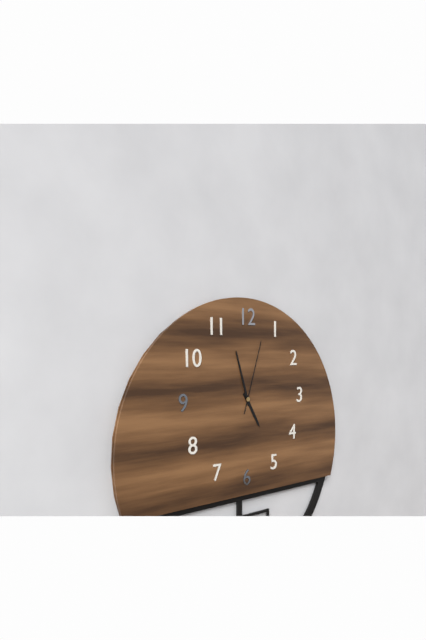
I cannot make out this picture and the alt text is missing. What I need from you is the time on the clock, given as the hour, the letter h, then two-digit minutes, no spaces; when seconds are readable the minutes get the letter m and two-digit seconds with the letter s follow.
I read 4h57m03s
